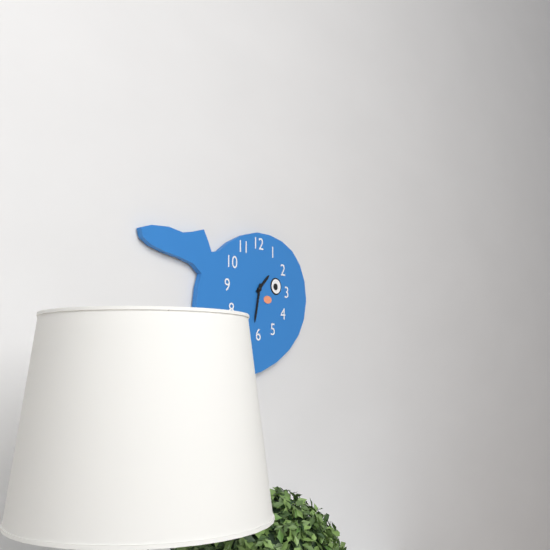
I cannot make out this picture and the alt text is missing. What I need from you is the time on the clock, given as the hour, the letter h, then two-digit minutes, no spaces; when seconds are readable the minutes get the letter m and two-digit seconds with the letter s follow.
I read 1h32
